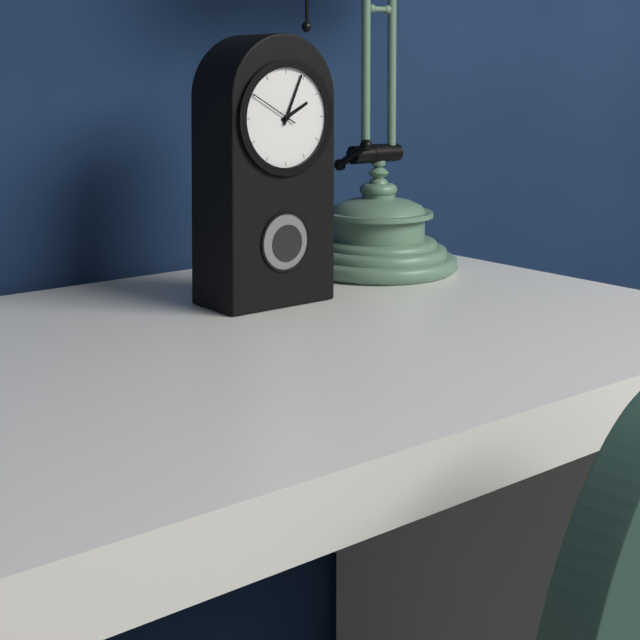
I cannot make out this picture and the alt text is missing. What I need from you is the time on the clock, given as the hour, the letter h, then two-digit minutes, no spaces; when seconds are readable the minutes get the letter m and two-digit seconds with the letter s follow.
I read 2h04m50s
